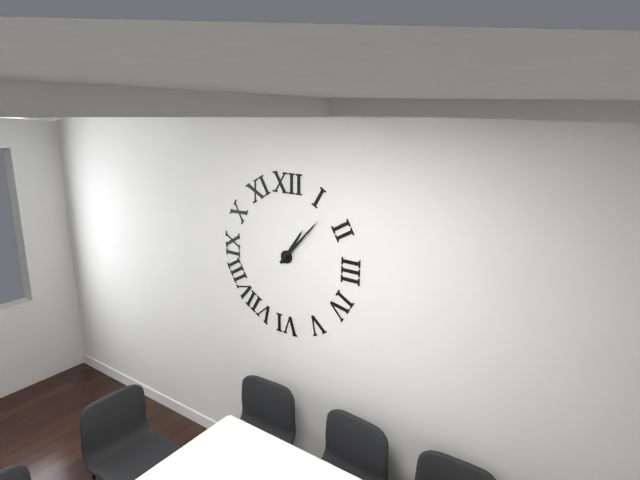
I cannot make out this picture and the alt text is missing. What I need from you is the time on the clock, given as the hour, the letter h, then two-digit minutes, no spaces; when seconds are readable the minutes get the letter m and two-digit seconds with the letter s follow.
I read 1h07
